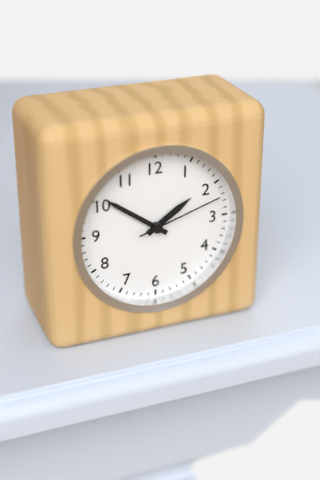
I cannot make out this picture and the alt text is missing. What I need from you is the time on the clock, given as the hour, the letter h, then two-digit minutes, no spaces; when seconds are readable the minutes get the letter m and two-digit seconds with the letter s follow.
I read 1h51m12s
